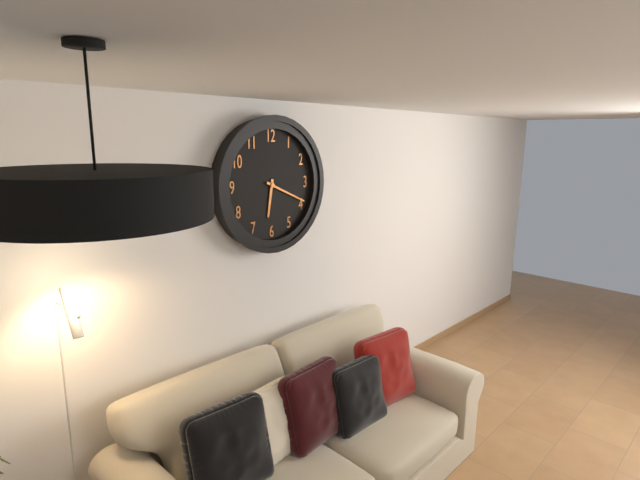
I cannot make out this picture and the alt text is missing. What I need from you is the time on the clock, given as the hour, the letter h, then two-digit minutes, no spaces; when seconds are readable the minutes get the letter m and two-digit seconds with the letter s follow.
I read 6h19
